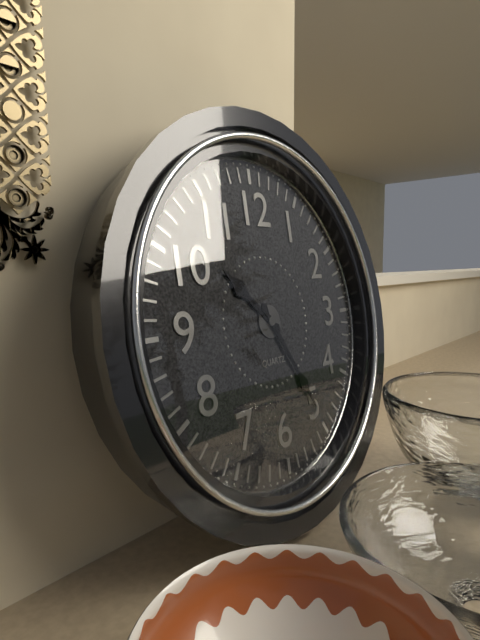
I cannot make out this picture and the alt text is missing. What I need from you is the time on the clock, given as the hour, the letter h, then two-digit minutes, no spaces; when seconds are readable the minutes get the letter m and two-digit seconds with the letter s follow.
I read 10h25
